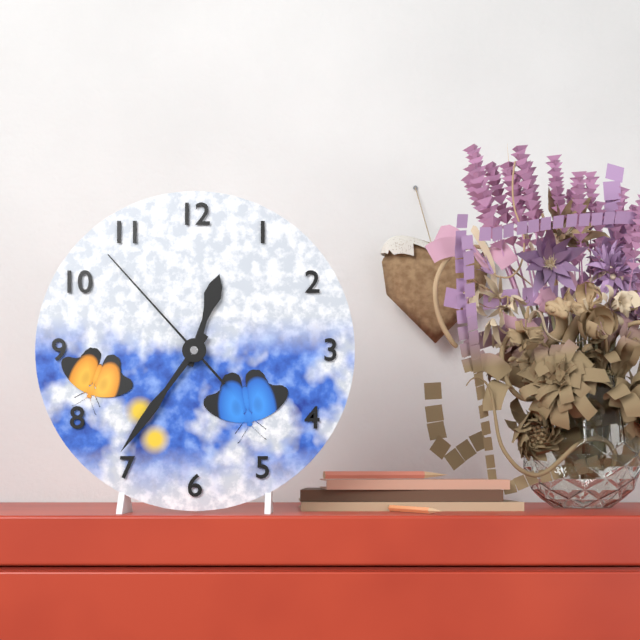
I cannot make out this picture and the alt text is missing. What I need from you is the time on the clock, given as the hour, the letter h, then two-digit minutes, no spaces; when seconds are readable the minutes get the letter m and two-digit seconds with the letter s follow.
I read 12h36m53s
